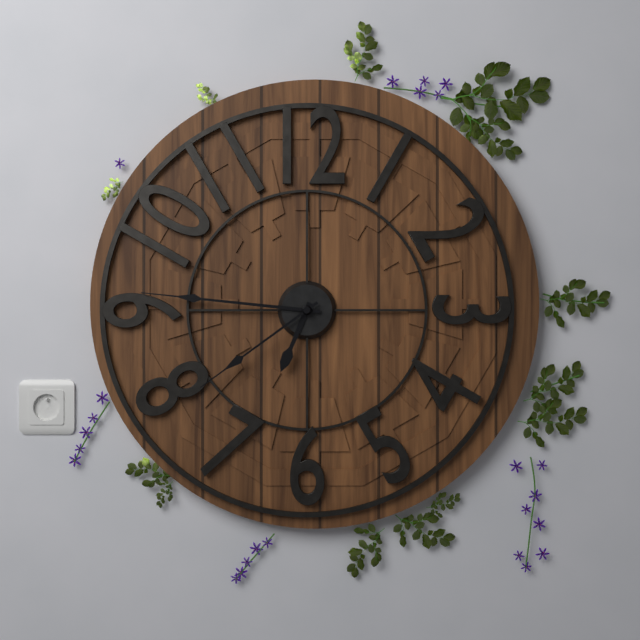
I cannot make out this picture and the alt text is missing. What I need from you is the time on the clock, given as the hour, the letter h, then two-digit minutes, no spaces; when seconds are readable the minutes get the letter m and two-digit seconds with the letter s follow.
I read 6h46m39s
